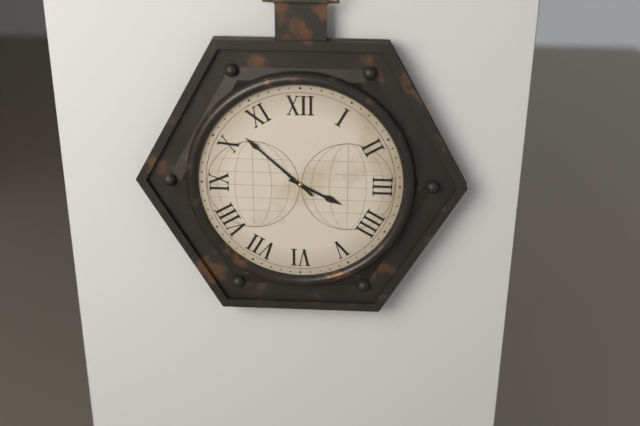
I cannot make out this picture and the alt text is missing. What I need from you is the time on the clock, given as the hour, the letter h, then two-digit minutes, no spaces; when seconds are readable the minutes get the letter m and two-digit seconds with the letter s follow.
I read 3h52
